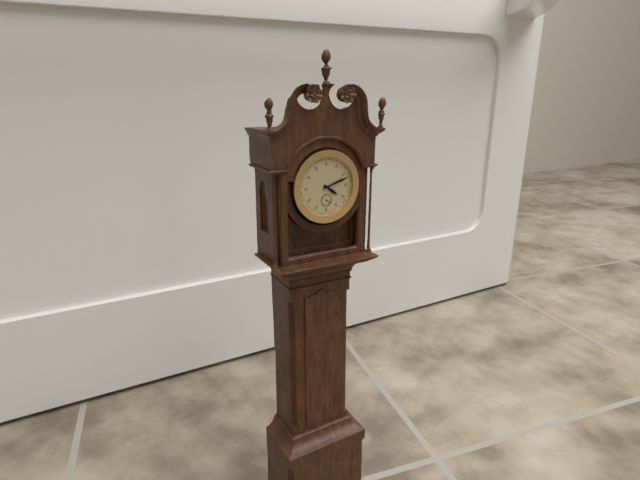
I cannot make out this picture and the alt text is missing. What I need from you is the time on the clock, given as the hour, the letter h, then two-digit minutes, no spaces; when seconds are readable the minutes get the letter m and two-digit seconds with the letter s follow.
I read 4h12
